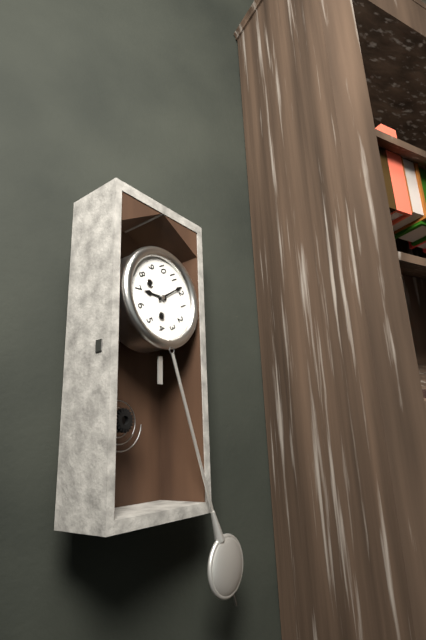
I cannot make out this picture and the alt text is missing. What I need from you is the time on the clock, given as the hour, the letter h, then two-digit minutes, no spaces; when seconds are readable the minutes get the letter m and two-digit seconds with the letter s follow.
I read 6h59
